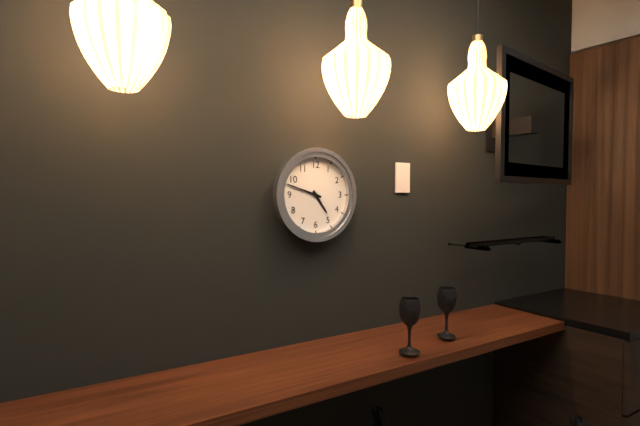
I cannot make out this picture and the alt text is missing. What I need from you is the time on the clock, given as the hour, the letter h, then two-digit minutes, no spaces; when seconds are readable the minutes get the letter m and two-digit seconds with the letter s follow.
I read 4h48
